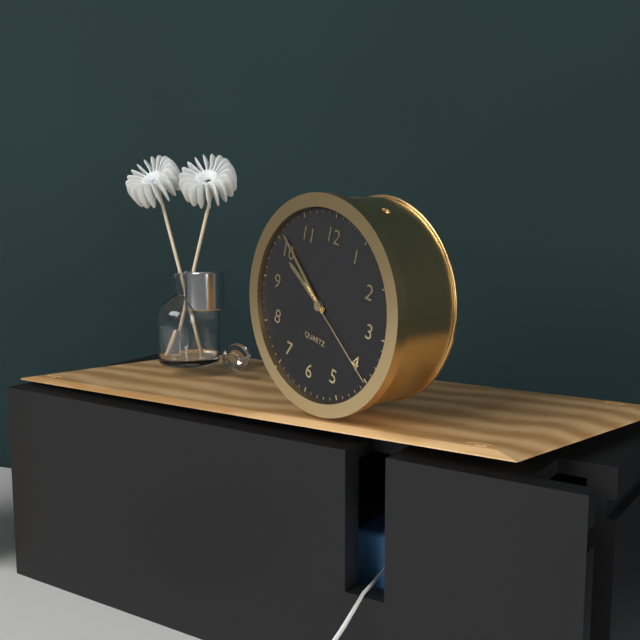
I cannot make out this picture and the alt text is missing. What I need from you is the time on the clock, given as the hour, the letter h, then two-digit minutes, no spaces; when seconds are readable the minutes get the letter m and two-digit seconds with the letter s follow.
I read 9h51m20s
